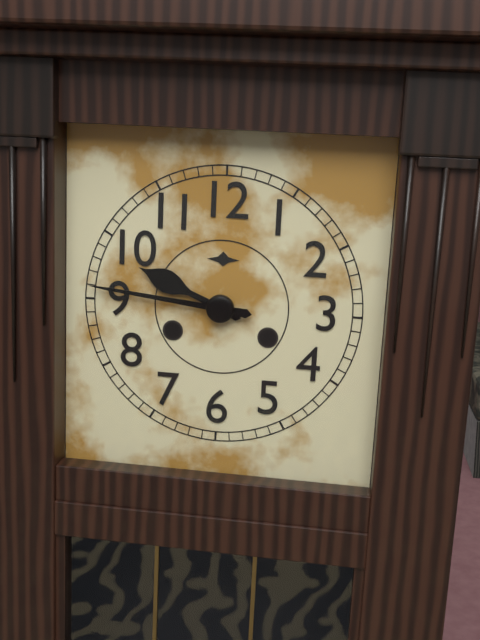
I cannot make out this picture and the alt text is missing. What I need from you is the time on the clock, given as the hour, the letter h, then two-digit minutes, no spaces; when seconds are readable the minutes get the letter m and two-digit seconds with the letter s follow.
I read 9h46
